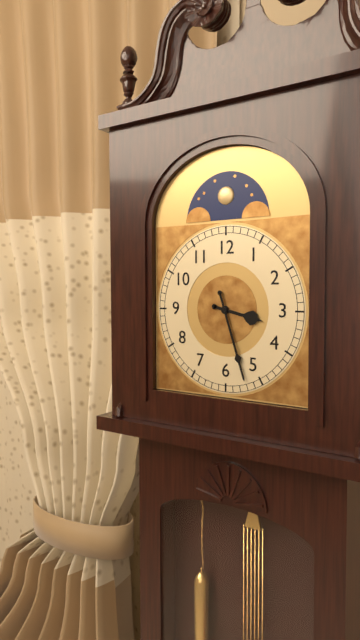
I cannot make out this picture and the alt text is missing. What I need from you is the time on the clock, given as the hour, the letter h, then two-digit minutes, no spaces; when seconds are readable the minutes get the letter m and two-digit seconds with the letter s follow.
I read 3h27
